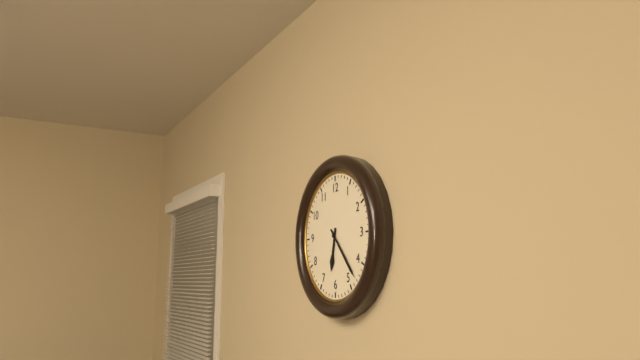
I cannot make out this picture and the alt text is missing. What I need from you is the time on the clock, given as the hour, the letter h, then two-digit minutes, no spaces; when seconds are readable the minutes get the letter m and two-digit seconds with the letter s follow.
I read 6h23
